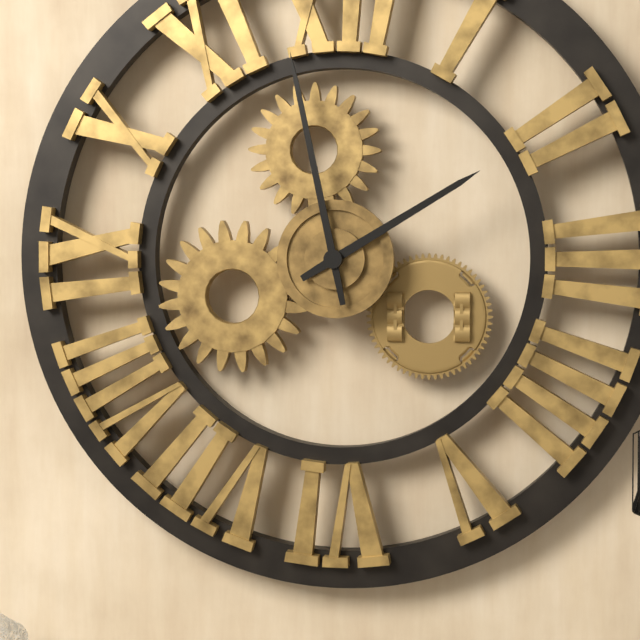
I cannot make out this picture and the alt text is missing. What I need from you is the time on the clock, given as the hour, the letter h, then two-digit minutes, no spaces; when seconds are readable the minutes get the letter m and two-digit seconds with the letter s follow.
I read 1h58
